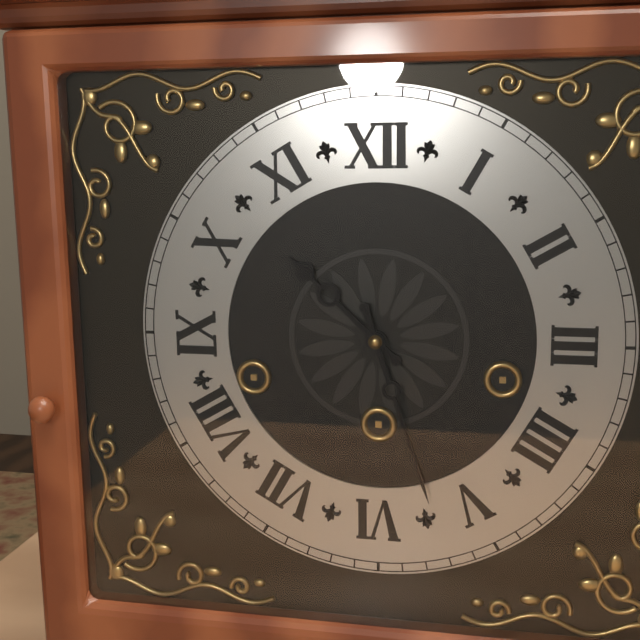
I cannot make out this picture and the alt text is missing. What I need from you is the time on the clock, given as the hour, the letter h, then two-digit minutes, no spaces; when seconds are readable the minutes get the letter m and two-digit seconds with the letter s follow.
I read 10h27
